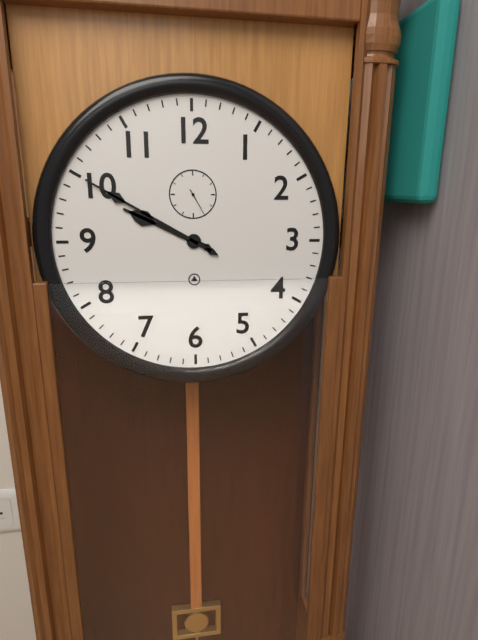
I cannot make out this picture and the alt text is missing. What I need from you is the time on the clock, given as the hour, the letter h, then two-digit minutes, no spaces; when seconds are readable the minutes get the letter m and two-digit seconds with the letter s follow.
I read 9h50
